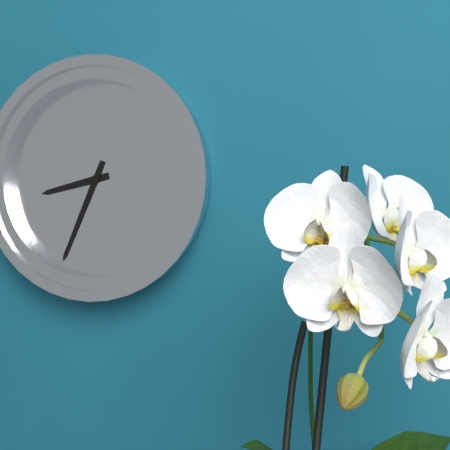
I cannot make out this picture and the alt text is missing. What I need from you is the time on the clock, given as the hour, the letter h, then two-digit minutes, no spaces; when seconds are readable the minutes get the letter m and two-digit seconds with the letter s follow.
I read 8h34
